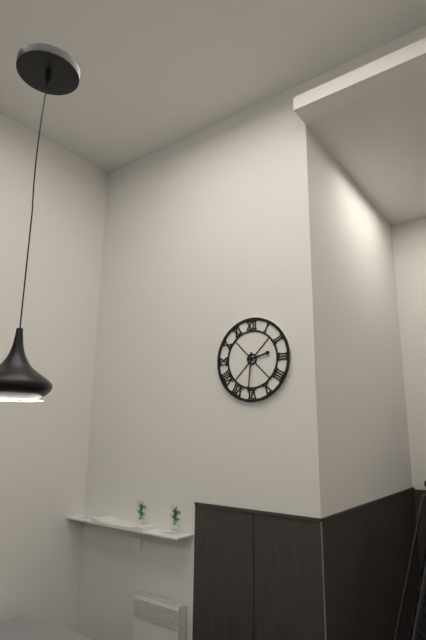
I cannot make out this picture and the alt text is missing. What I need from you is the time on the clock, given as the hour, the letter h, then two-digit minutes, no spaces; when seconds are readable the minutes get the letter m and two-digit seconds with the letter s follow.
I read 2h31
